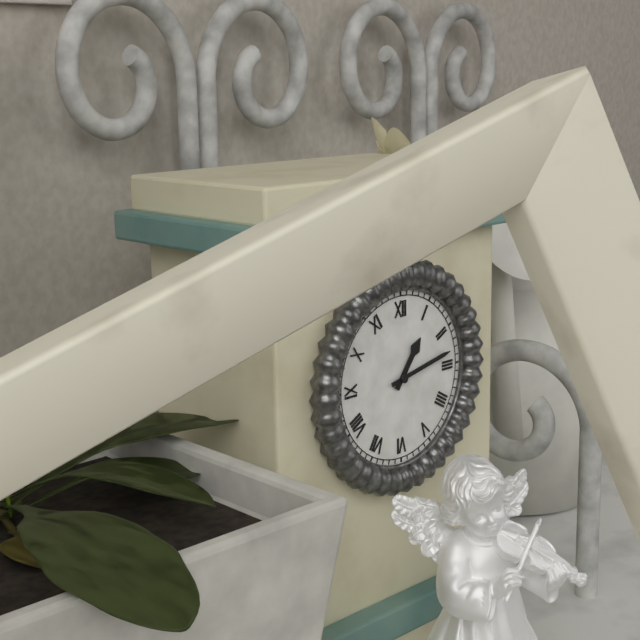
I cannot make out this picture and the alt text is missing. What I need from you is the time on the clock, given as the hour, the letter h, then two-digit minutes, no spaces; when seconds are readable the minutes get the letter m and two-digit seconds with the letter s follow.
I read 1h13
